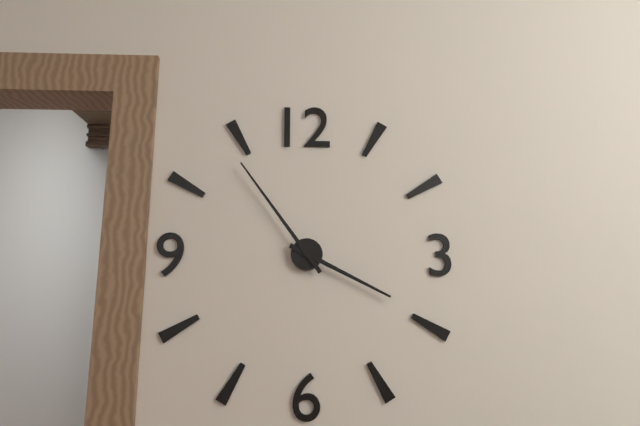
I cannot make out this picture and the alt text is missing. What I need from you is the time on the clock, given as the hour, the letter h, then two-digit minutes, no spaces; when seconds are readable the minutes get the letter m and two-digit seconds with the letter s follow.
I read 3h54
